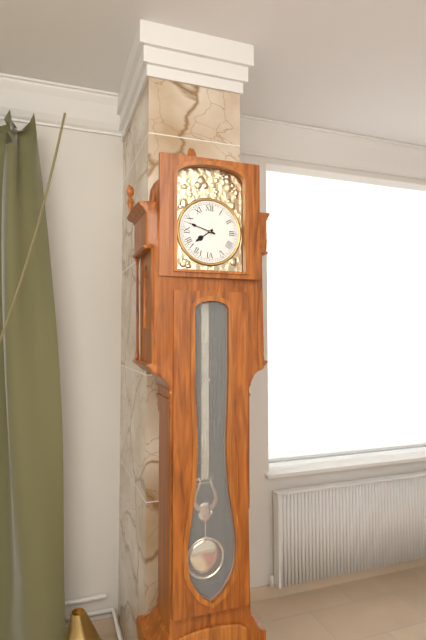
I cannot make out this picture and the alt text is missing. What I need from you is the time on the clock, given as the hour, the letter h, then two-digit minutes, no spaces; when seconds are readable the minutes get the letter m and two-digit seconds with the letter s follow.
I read 7h48
